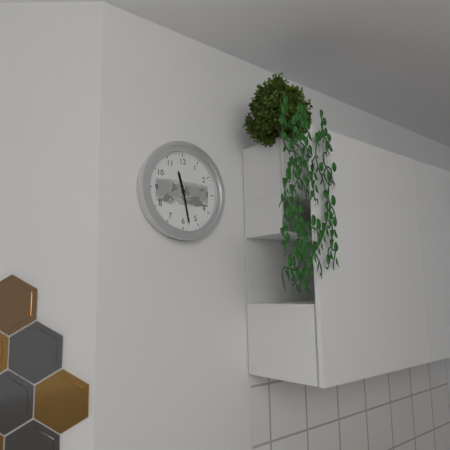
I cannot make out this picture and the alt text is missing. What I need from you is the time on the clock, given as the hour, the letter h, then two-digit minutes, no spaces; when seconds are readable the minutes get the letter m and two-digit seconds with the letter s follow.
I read 11h28
